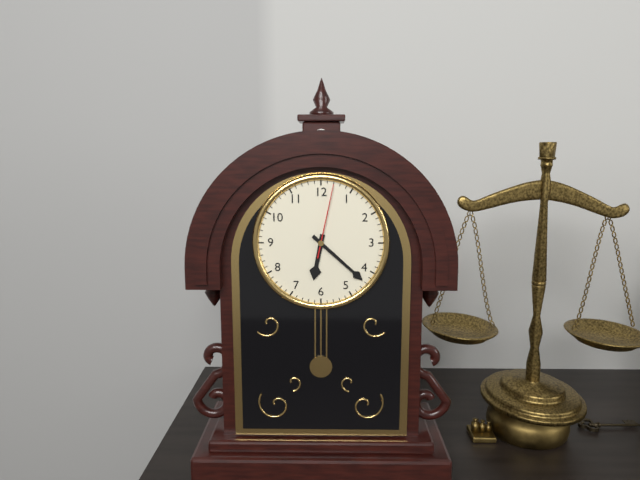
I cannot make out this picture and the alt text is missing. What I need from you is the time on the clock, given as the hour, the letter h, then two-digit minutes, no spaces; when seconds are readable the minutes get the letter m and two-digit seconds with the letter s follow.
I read 6h22m02s
